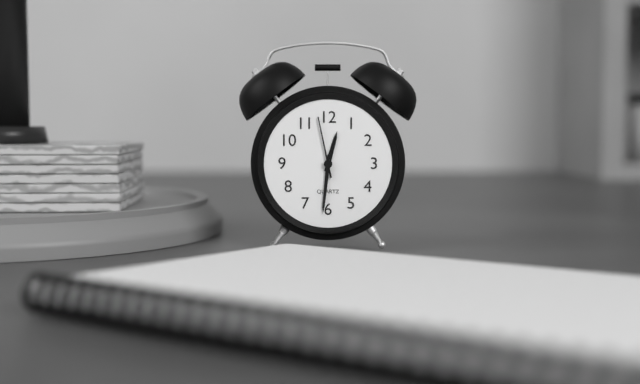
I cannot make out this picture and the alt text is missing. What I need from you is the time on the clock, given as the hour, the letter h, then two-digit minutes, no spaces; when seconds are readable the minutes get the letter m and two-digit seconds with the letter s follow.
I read 12h31m58s
